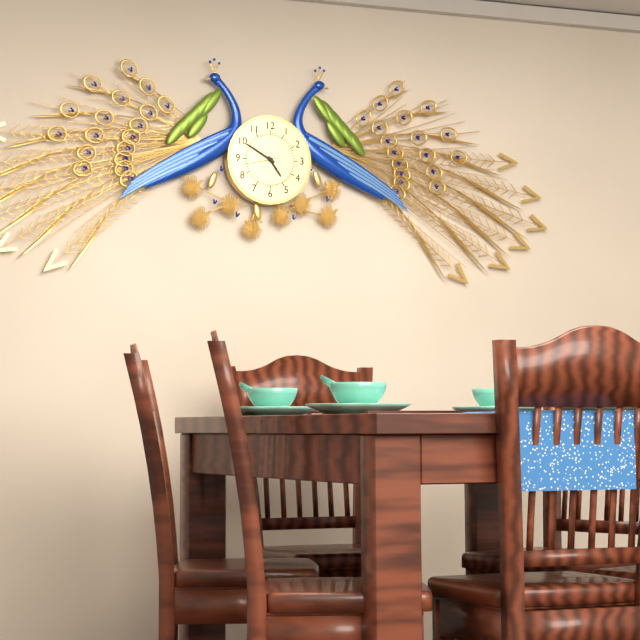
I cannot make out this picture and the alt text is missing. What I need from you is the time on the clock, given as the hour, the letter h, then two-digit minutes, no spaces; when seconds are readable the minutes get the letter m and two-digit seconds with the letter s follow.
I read 4h50
